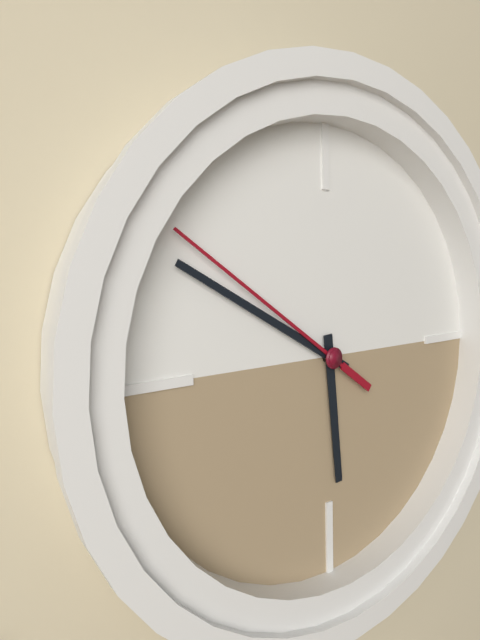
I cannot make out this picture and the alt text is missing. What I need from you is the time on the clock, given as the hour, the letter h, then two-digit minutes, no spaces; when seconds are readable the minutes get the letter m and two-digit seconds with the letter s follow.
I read 5h50m51s
